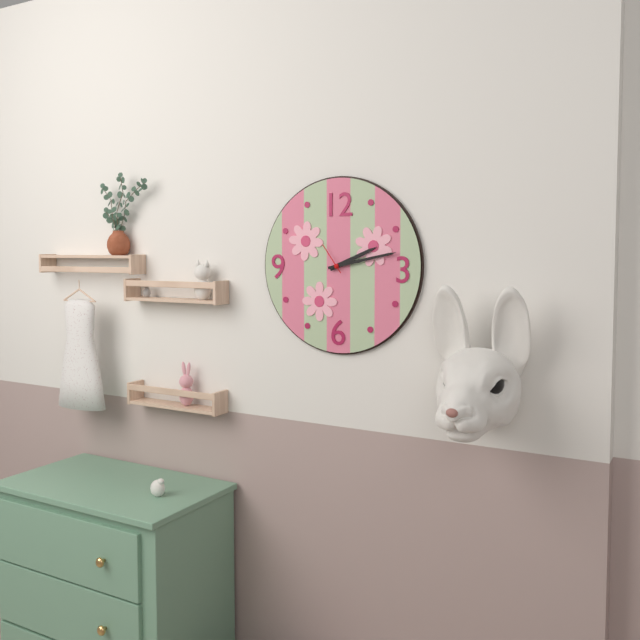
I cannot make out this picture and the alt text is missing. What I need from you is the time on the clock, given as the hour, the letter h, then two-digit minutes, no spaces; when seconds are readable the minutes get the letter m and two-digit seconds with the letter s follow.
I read 2h13
